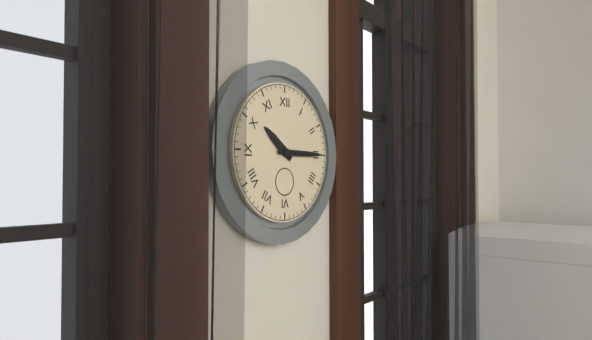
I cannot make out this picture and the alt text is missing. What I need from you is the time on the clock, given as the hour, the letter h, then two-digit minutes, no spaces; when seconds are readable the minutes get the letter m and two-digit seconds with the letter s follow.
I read 10h15
